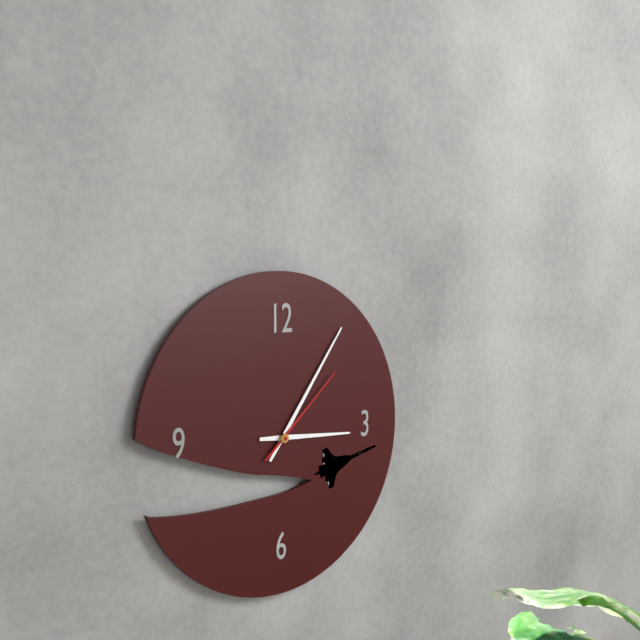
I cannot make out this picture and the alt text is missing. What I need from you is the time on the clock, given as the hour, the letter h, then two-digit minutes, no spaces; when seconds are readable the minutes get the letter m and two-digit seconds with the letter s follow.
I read 3h06m08s
